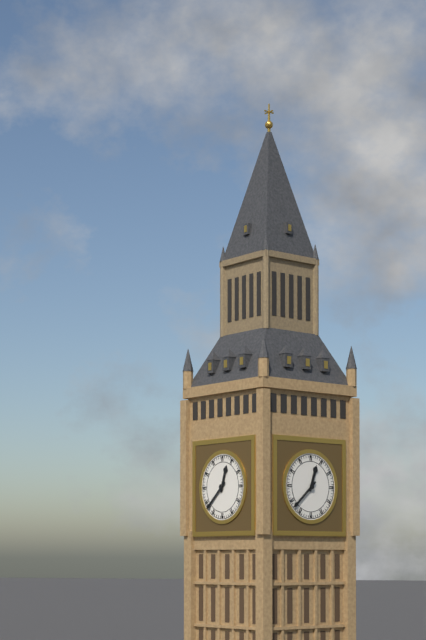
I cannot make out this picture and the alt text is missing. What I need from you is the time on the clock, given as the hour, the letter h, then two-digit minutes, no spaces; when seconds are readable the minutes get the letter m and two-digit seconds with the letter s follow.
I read 12h38
